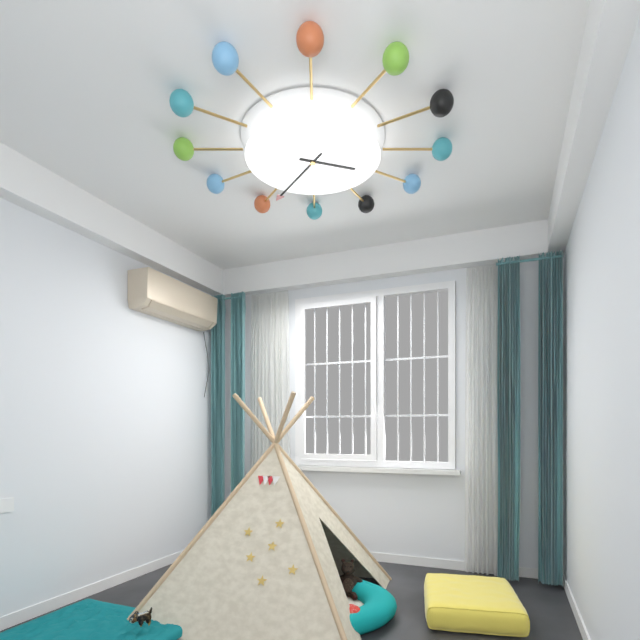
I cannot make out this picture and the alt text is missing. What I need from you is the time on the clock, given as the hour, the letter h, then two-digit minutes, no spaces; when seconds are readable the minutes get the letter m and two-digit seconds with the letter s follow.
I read 3h35
